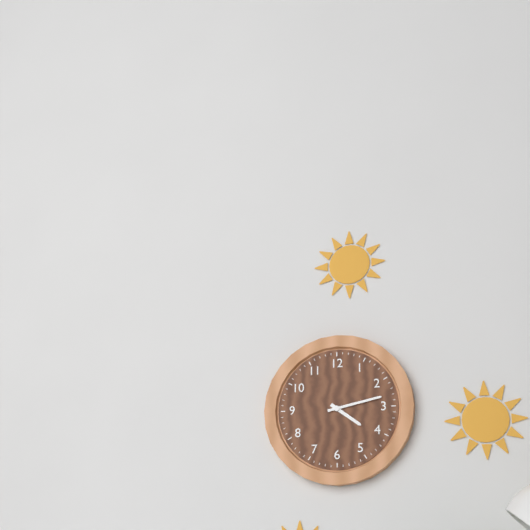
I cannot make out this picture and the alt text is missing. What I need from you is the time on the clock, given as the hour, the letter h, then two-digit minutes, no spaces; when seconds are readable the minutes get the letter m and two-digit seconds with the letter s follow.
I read 4h13
